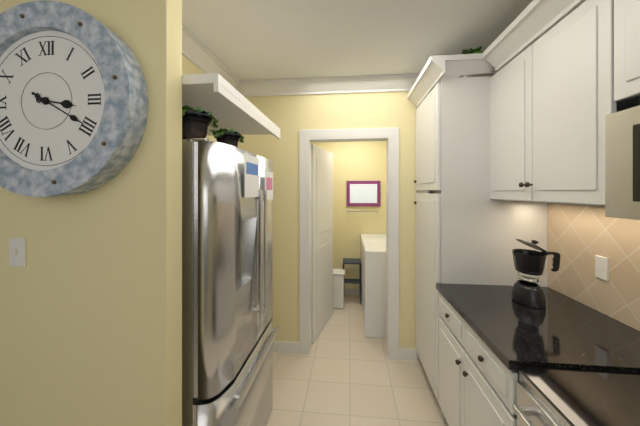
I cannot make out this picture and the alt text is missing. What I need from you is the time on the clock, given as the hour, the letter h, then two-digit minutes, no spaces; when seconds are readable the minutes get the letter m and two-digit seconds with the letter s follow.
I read 3h20
